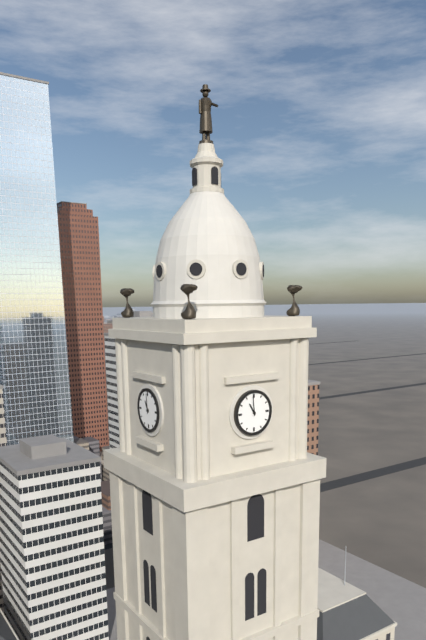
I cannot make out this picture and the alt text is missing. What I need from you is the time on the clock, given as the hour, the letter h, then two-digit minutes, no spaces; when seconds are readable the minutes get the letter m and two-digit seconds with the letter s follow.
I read 10h59
